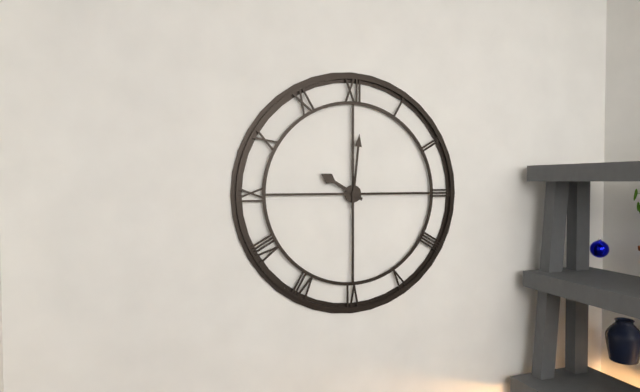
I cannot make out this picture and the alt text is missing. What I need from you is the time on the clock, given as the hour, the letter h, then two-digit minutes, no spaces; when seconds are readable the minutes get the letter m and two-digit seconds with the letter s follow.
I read 10h01
